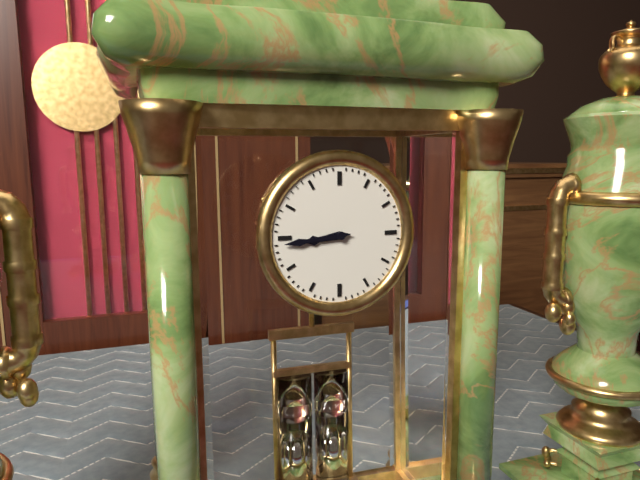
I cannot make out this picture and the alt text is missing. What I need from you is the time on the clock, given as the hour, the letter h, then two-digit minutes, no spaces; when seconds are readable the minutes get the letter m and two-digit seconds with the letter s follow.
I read 8h44
